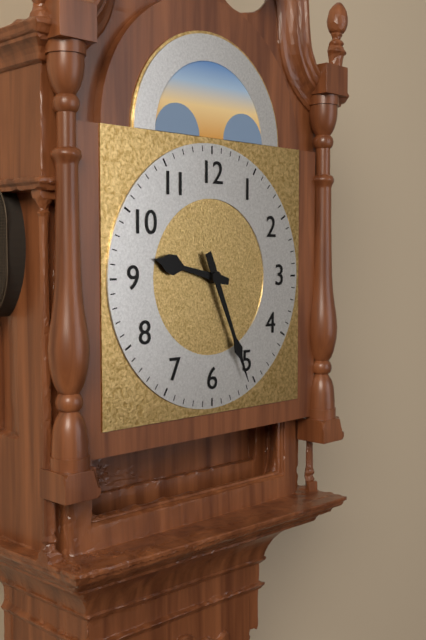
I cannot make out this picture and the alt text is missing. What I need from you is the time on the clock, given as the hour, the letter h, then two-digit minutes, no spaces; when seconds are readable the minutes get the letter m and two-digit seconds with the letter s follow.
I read 9h26
